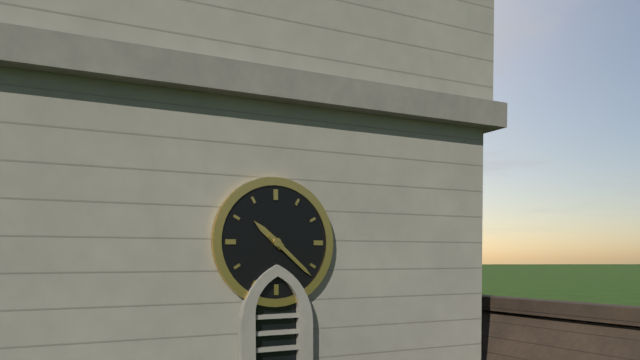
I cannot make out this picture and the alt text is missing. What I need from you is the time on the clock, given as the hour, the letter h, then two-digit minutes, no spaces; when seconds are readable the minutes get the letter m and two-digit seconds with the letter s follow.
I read 10h22
